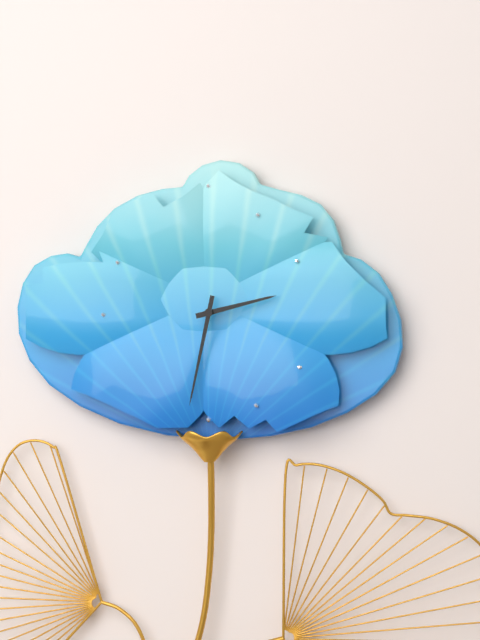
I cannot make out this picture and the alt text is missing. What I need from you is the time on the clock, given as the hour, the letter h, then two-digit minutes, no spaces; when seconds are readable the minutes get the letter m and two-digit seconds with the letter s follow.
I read 2h32
